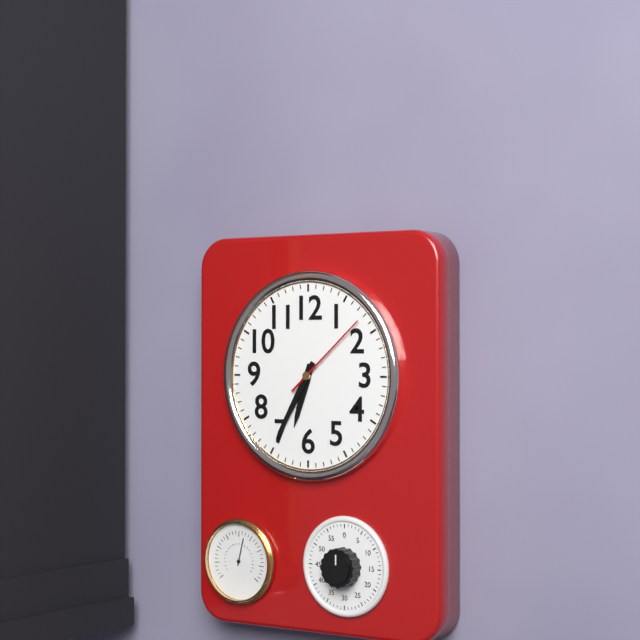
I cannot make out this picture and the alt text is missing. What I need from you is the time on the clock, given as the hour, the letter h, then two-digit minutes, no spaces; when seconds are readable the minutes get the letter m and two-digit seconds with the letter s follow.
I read 6h35m08s
